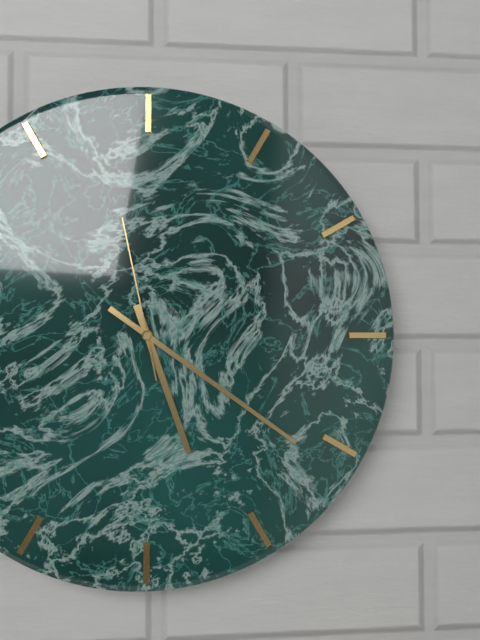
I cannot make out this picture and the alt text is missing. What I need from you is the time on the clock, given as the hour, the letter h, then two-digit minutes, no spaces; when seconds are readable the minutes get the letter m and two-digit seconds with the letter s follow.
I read 5h21m58s
